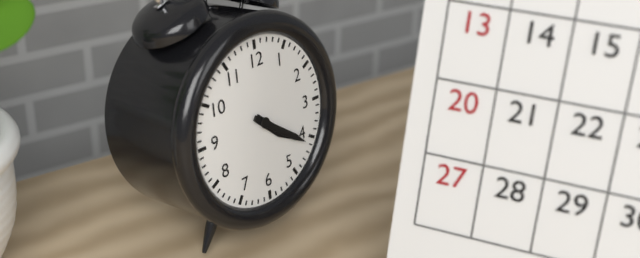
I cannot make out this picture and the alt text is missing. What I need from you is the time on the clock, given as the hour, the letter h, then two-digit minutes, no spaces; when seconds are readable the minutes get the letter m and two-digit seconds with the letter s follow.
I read 4h21
